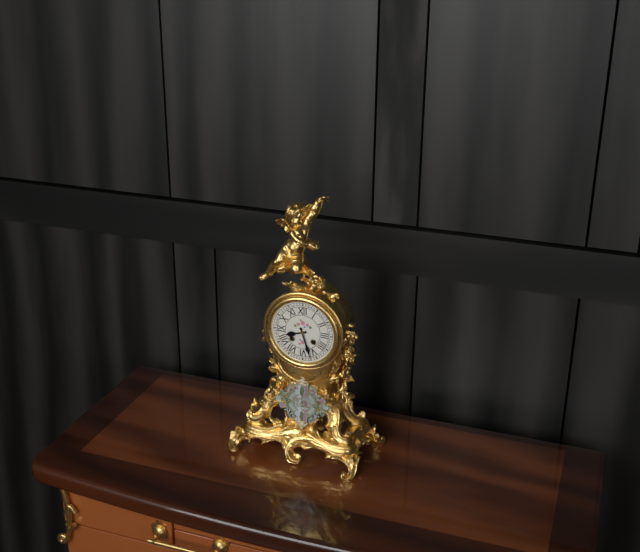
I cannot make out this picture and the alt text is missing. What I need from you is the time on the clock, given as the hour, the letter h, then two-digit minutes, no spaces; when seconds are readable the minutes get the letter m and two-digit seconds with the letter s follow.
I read 8h27
